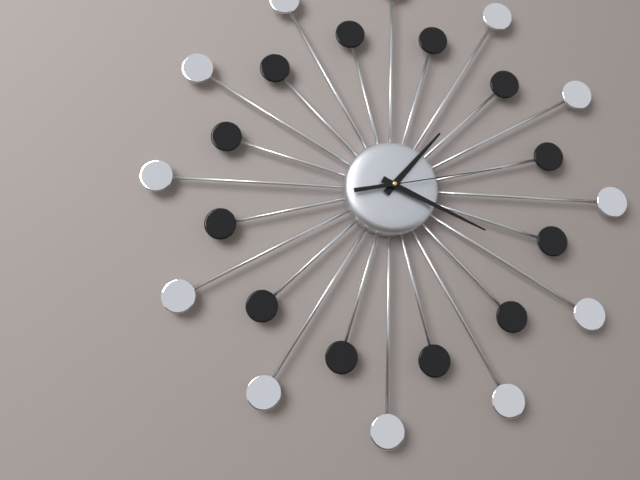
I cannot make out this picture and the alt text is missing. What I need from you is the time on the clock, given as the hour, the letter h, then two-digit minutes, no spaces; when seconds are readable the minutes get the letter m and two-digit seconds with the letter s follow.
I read 1h19m13s
